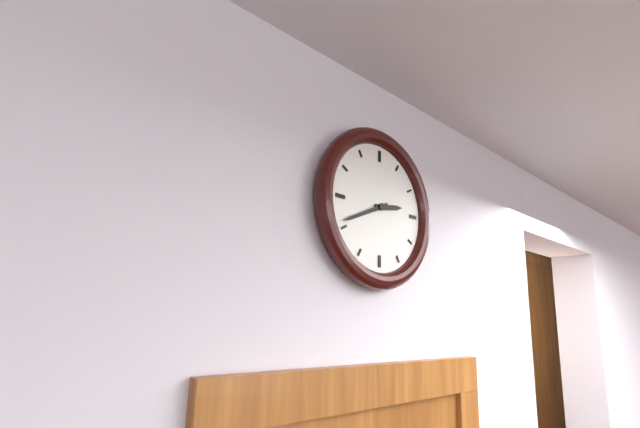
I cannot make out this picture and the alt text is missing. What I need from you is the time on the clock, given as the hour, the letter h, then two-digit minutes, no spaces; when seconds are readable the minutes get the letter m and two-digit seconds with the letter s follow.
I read 2h41
